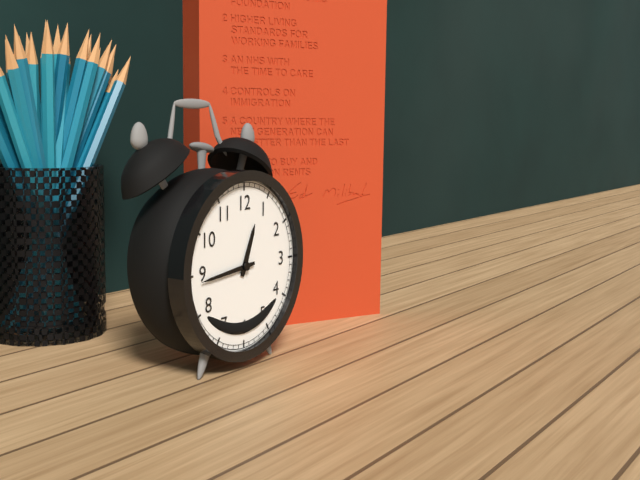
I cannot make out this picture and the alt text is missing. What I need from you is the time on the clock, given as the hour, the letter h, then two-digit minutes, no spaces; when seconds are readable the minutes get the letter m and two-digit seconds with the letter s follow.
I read 12h44
